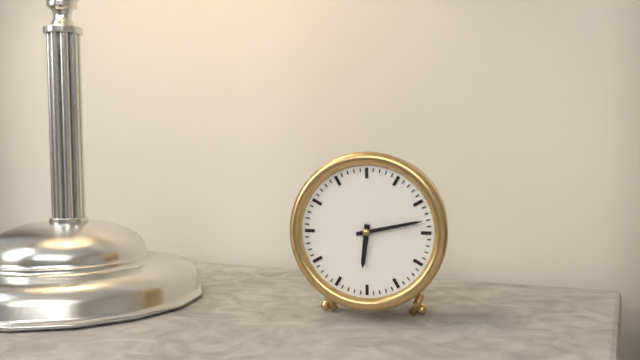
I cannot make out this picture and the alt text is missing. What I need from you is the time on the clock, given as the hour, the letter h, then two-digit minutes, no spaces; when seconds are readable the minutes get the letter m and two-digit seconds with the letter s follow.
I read 6h13
